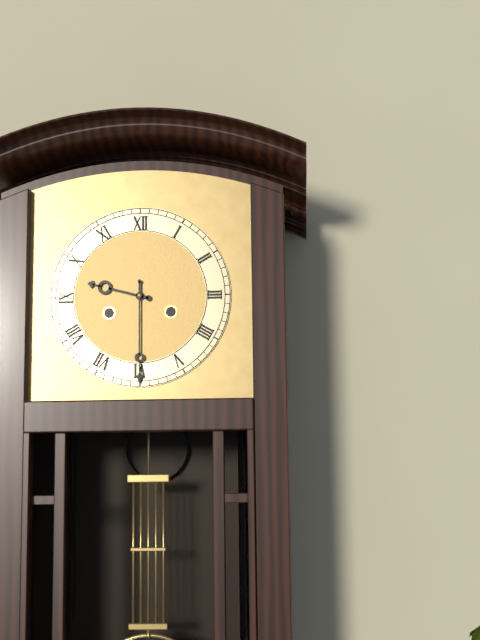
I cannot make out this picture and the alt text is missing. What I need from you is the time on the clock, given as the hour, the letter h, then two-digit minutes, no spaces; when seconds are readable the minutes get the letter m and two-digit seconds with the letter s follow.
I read 9h30
